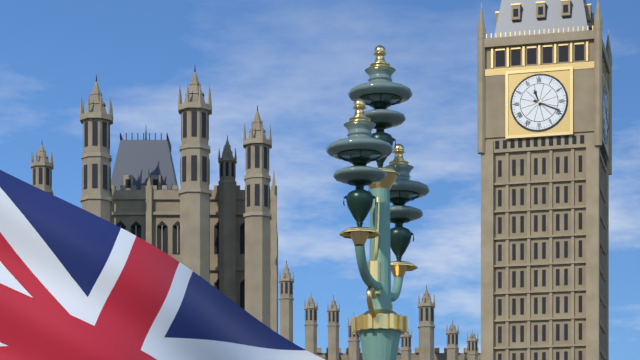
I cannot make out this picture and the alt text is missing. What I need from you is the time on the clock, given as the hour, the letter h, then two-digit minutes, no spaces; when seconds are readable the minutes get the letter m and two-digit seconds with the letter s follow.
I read 11h19
